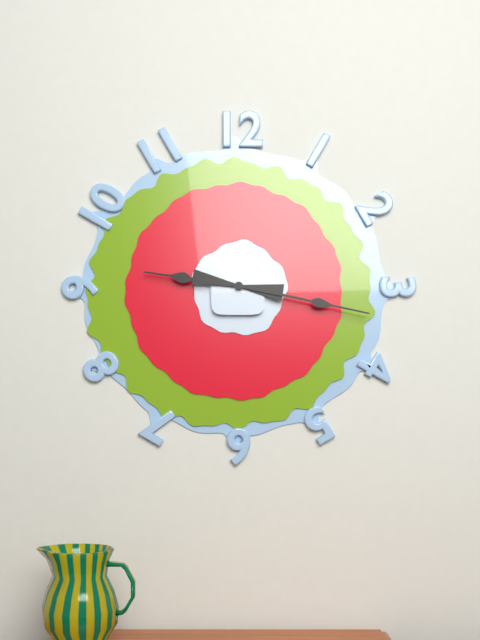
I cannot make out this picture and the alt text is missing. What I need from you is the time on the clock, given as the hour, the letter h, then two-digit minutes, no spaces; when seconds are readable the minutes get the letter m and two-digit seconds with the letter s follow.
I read 9h17
